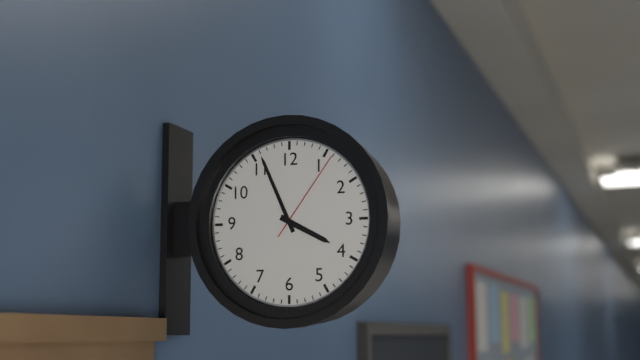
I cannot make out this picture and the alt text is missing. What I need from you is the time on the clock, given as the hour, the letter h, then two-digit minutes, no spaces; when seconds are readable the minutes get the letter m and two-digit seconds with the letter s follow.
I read 3h56m06s
